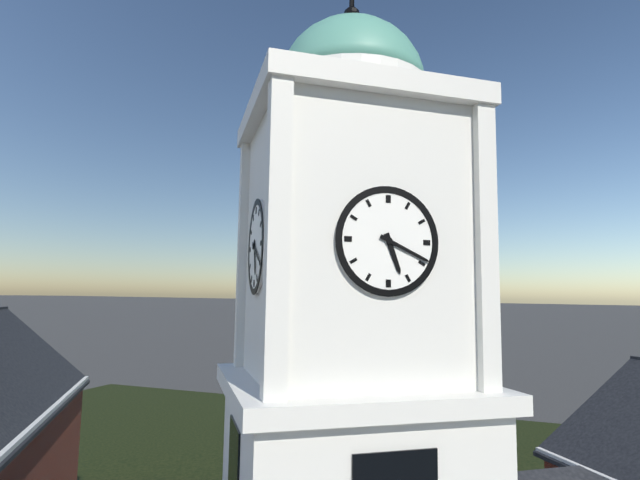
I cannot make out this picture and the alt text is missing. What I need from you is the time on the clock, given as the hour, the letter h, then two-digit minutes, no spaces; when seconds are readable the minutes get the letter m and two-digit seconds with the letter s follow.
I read 5h19
